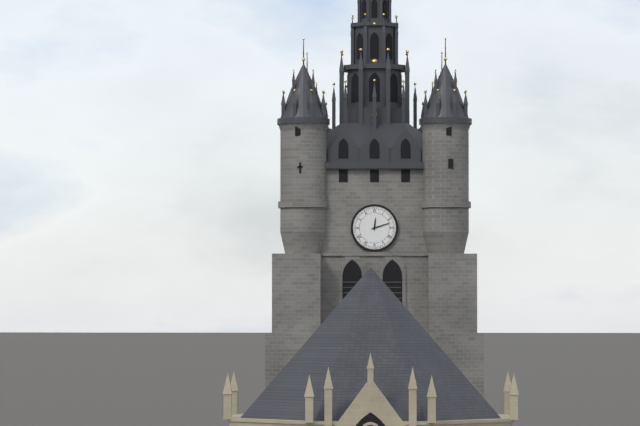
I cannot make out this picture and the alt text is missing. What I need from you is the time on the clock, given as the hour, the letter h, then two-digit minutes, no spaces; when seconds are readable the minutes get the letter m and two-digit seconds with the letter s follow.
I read 12h12
